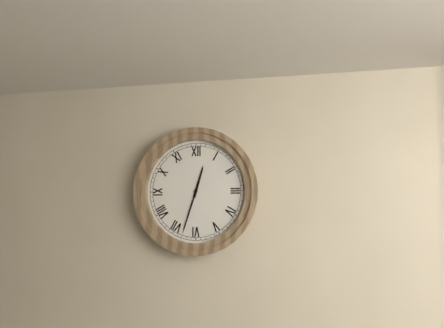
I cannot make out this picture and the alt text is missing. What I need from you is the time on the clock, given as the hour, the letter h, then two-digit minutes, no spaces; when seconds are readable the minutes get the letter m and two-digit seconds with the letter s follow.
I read 12h33
